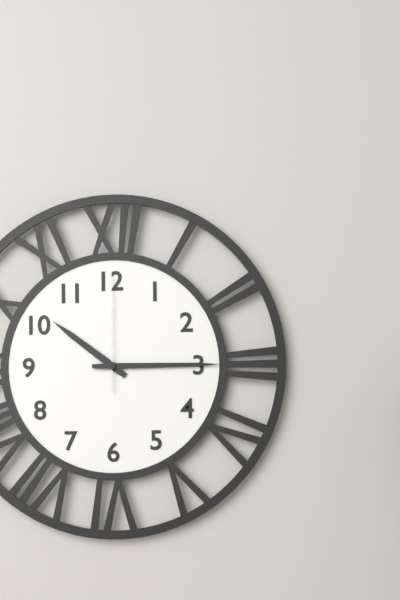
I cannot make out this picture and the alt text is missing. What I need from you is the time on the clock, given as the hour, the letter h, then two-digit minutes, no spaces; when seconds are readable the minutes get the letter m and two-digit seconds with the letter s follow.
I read 10h15m00s
